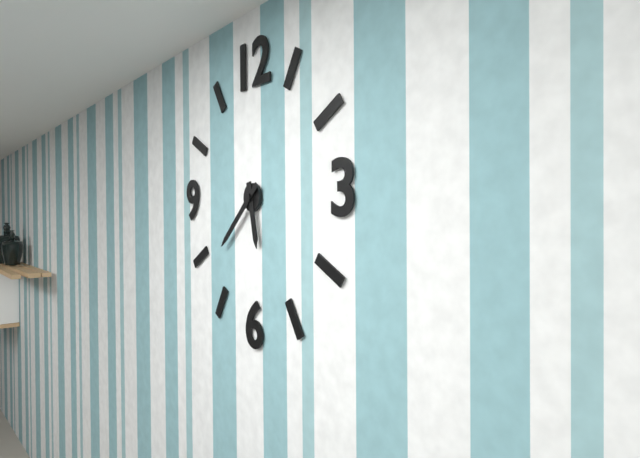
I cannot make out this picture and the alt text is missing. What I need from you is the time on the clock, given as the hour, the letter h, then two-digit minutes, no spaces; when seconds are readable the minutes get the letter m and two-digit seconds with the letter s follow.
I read 5h38
